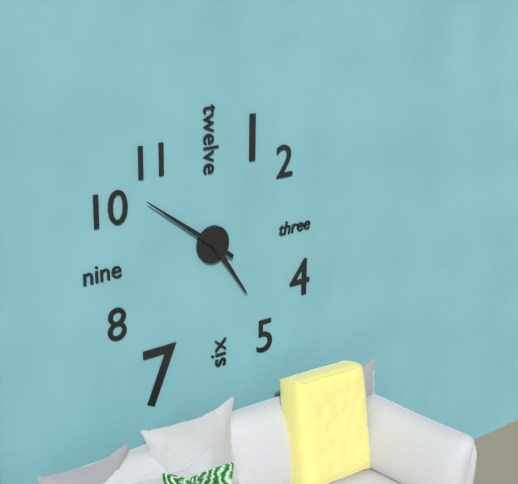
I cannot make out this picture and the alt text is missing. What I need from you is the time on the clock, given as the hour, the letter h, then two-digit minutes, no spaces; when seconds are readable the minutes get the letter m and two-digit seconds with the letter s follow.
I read 4h51
